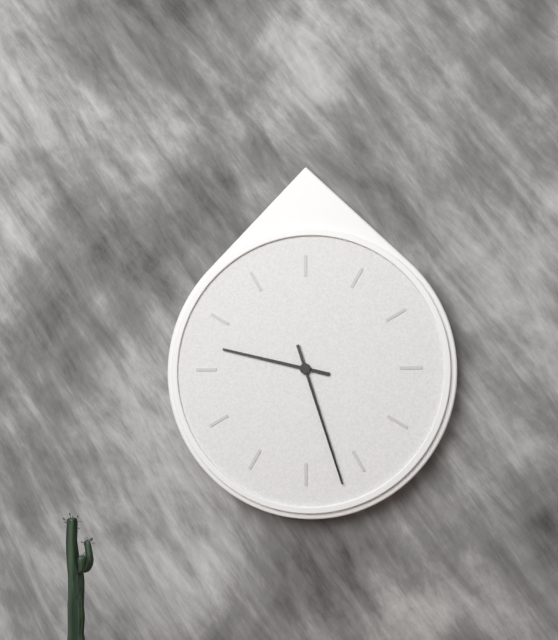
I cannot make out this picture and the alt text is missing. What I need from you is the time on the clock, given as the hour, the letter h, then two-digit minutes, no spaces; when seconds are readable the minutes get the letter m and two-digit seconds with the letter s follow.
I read 9h27
